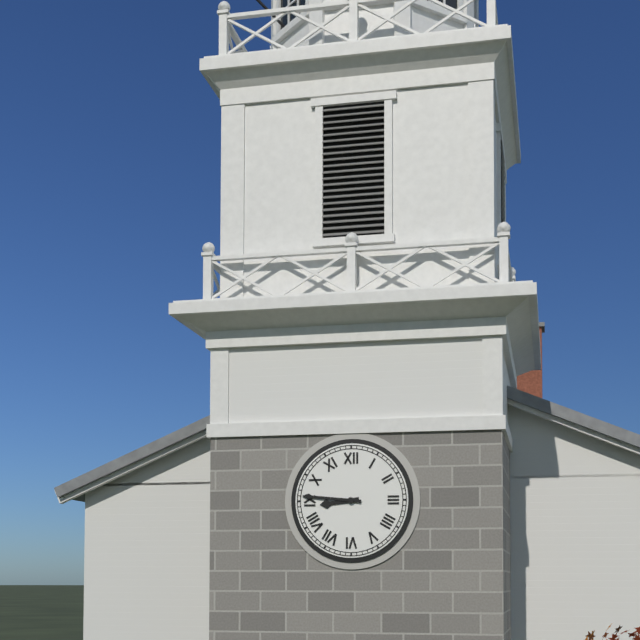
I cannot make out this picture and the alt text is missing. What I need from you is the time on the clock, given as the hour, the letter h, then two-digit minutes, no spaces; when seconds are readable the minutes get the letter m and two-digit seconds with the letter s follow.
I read 8h46
